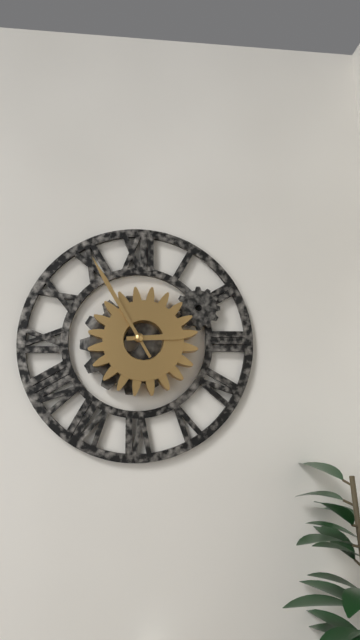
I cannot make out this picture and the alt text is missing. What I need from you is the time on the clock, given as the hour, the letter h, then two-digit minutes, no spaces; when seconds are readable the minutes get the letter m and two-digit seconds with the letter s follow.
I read 2h55
